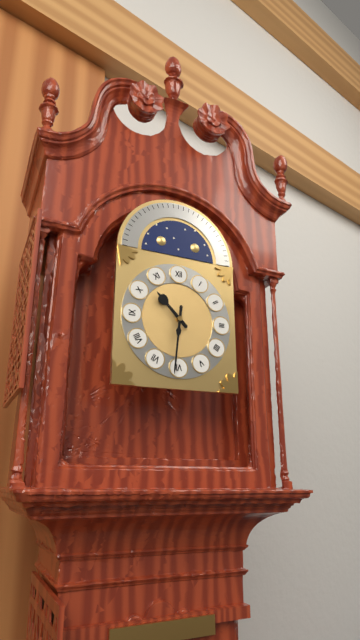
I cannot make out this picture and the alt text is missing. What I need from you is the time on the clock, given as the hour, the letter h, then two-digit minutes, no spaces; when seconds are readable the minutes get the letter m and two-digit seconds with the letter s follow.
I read 10h31
